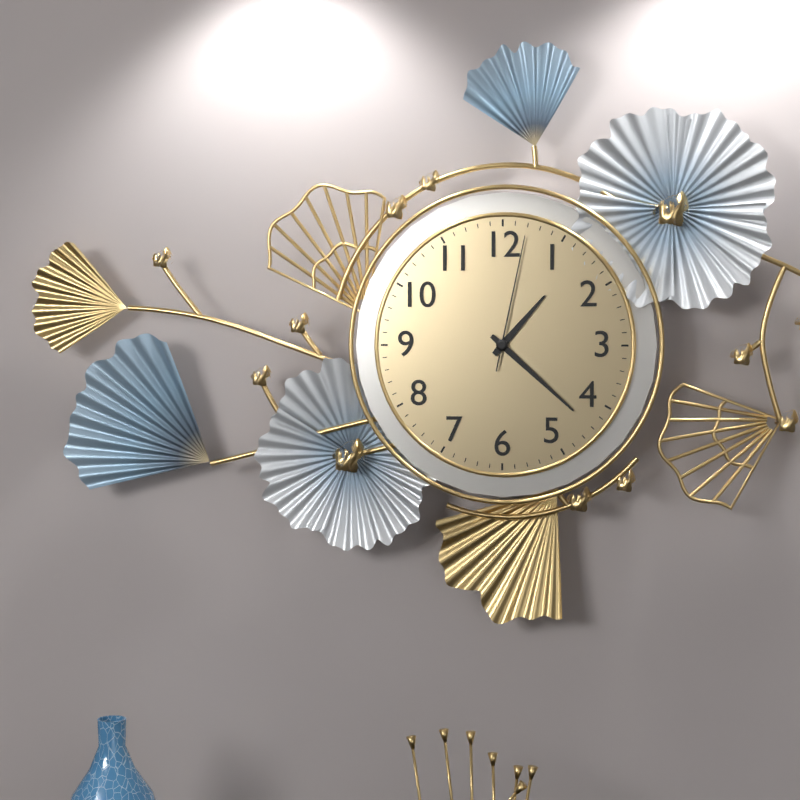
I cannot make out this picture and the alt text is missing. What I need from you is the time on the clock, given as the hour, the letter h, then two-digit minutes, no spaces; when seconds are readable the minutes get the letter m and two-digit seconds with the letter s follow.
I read 1h22m02s
